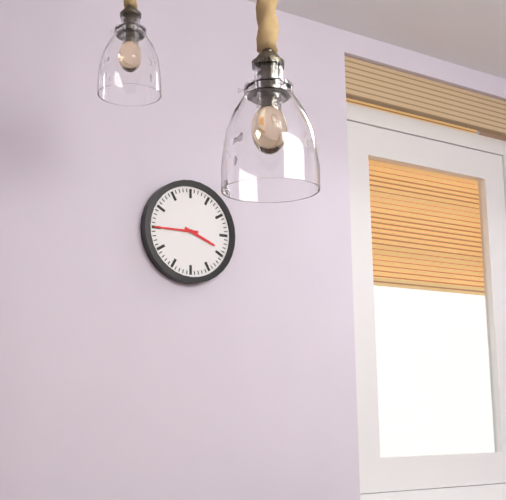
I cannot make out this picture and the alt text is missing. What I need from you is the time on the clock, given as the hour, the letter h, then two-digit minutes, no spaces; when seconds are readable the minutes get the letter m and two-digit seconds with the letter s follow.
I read 3h45
